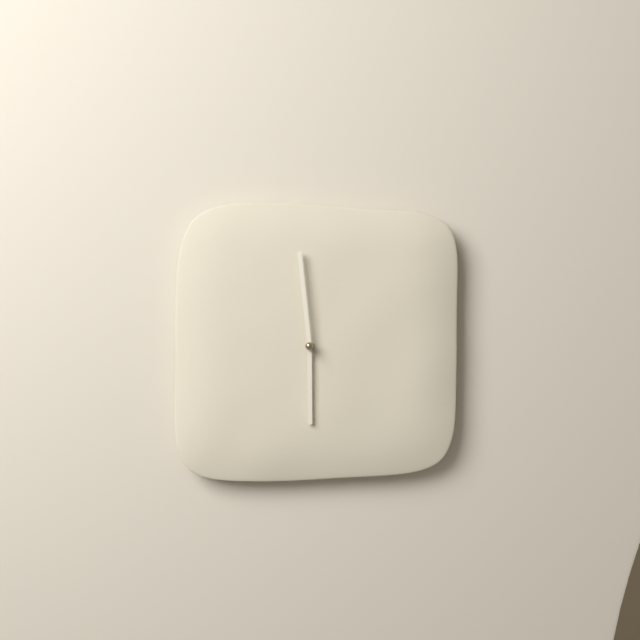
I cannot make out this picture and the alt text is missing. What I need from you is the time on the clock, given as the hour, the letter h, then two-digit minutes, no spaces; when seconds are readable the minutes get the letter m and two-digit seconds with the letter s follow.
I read 5h59
